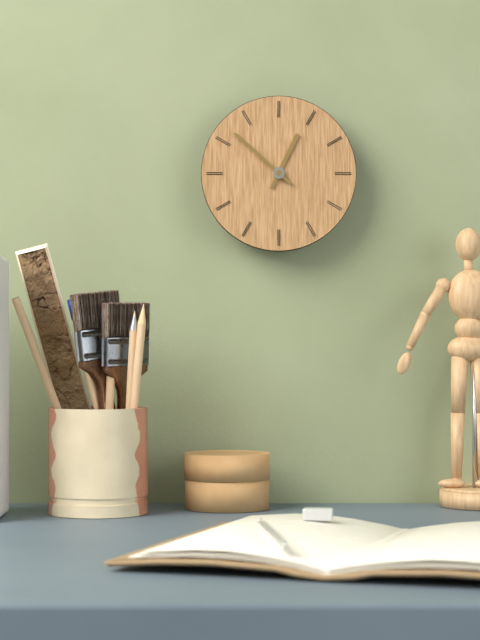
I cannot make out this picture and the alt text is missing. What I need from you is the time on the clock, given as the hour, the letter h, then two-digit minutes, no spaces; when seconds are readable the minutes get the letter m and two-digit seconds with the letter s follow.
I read 12h52
